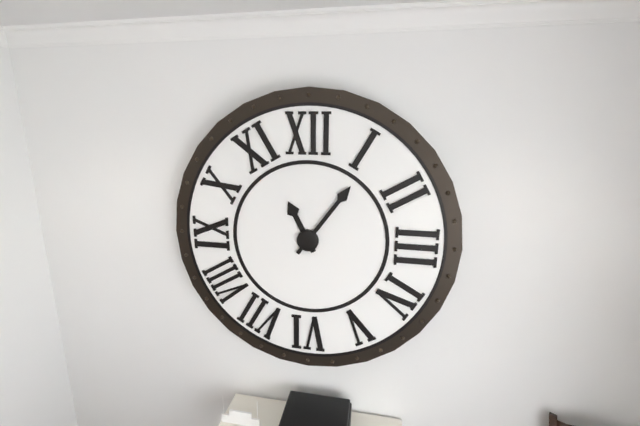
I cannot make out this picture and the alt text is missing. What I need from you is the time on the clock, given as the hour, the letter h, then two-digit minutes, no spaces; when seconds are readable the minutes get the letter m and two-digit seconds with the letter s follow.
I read 11h06
